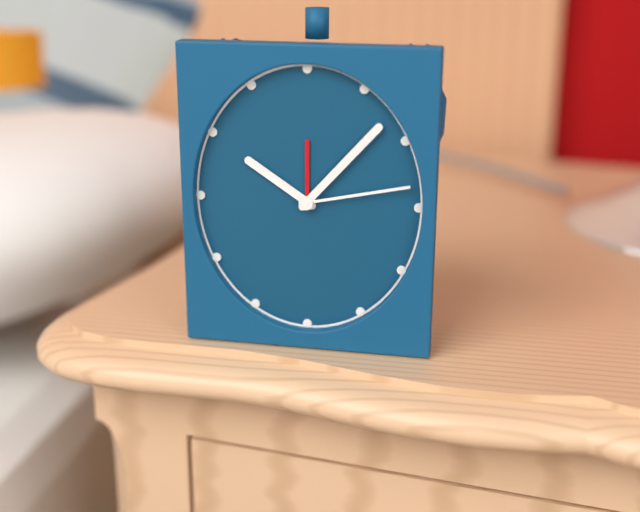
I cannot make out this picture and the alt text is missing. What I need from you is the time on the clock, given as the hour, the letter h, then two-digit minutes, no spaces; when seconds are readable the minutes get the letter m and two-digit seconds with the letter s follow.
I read 10h07m13s
